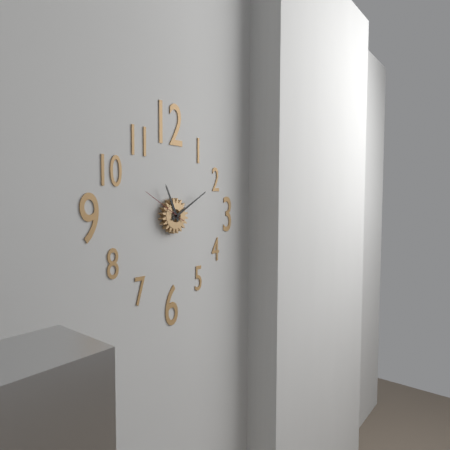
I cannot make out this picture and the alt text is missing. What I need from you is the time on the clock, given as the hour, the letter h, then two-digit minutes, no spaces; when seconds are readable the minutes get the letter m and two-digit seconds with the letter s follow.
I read 11h10
